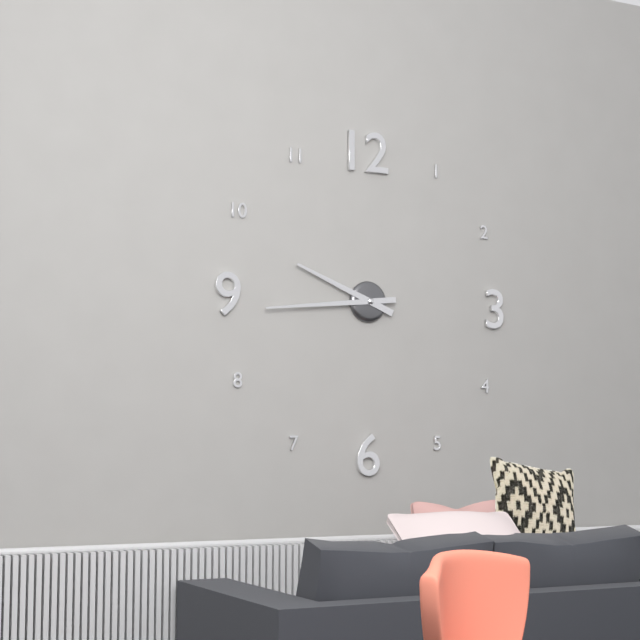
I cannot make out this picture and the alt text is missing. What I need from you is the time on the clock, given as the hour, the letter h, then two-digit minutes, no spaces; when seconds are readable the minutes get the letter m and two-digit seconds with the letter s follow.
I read 9h44
